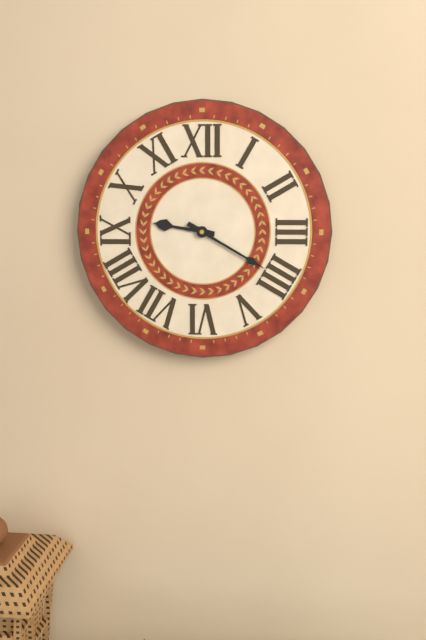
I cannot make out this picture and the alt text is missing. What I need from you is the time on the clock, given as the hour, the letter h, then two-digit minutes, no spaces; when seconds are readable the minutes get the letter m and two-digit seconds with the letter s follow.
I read 9h20
